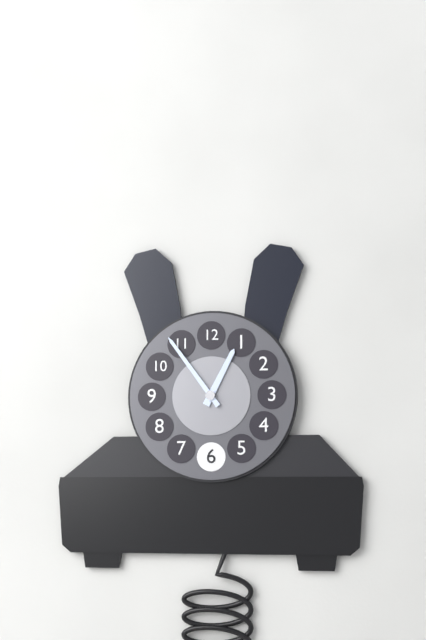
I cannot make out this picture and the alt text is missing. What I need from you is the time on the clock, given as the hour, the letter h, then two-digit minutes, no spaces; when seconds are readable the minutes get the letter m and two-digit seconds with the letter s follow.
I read 12h54
